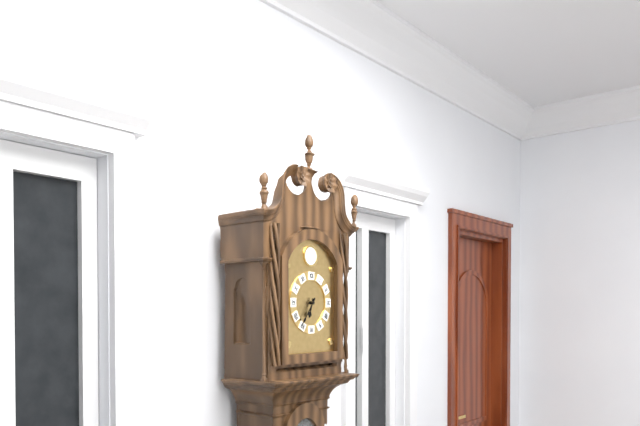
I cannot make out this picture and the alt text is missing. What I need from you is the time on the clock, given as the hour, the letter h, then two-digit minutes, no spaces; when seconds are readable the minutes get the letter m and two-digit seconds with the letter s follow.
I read 6h36
